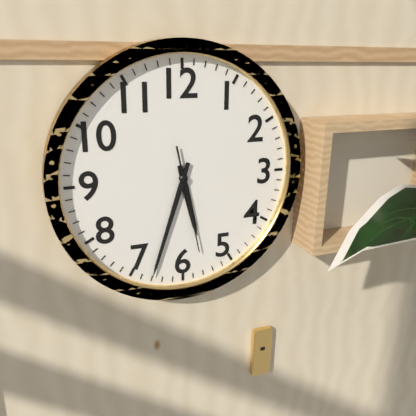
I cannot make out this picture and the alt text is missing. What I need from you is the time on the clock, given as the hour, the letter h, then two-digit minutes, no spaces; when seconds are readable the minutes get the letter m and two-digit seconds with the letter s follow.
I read 5h33m28s
